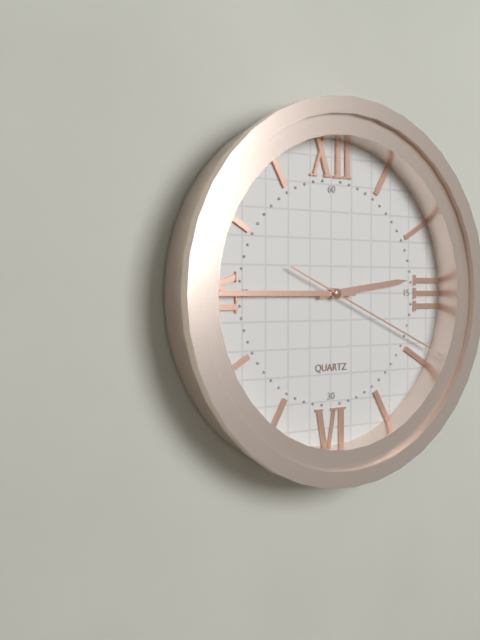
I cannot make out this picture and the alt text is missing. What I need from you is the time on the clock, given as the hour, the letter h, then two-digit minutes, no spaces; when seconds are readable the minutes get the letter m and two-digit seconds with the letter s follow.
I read 2h45m19s
